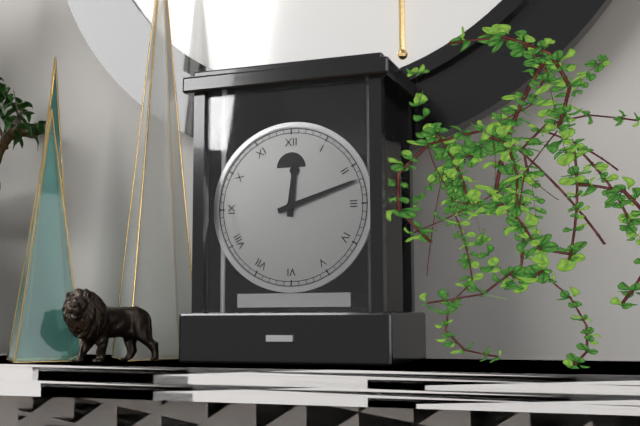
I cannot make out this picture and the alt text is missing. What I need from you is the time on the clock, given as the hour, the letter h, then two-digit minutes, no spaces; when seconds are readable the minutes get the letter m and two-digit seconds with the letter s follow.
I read 12h12
